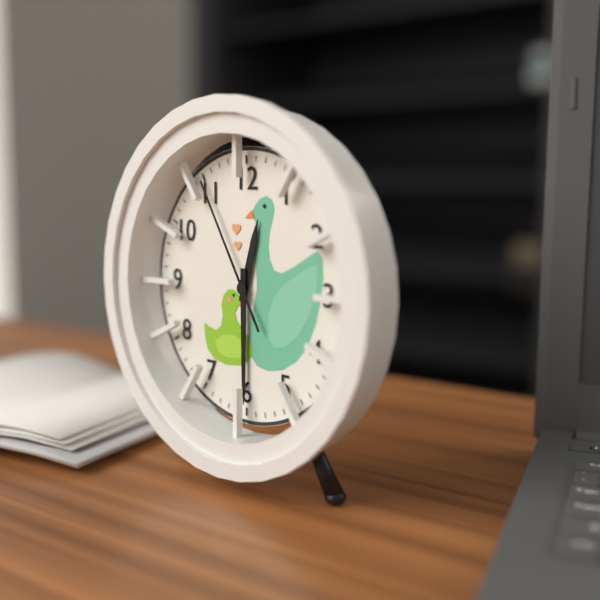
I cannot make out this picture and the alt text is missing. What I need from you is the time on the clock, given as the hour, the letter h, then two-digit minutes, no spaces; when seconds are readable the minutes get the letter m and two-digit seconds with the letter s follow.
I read 12h30m55s
